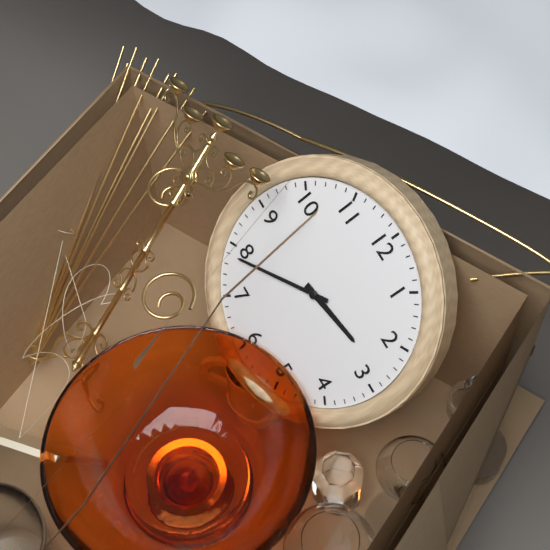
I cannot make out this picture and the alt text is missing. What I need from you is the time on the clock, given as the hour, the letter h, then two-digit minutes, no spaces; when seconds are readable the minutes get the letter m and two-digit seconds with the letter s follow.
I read 2h39
